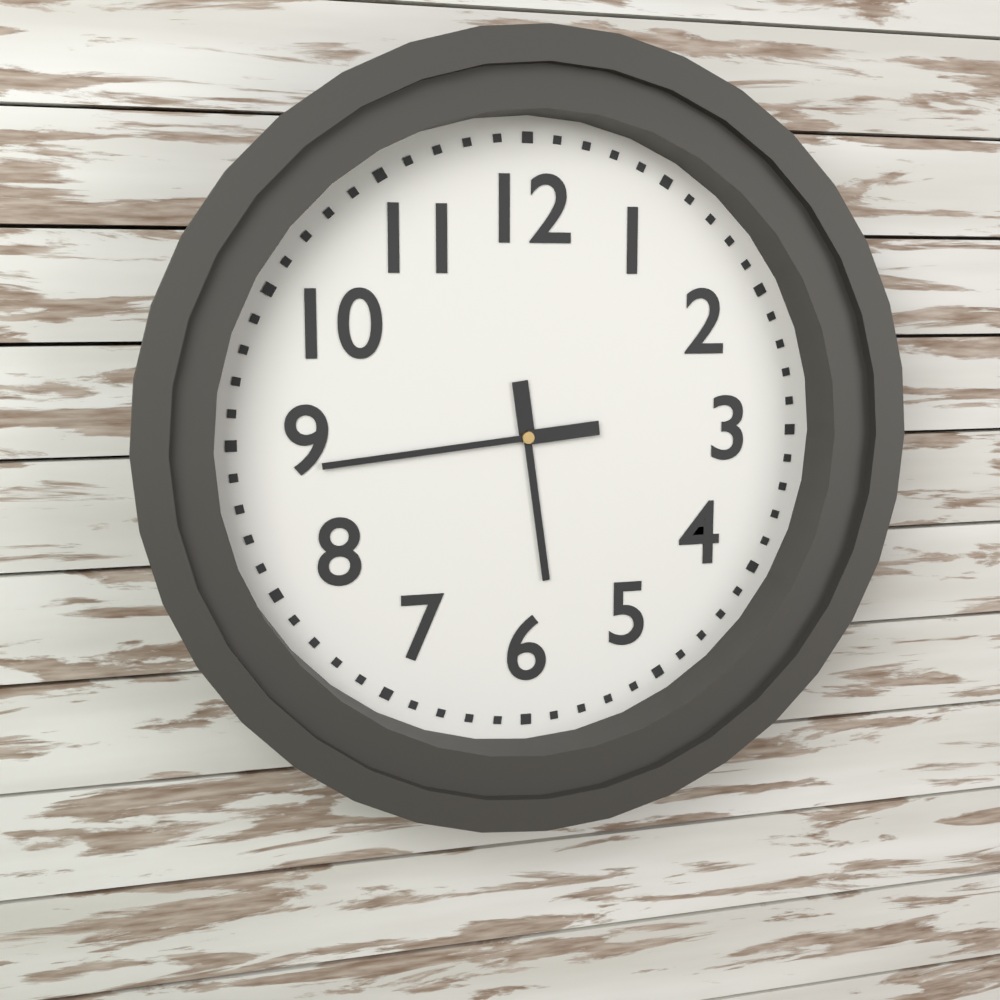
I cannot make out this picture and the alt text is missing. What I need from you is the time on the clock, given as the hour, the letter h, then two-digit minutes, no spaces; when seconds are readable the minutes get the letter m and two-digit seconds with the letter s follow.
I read 5h44
